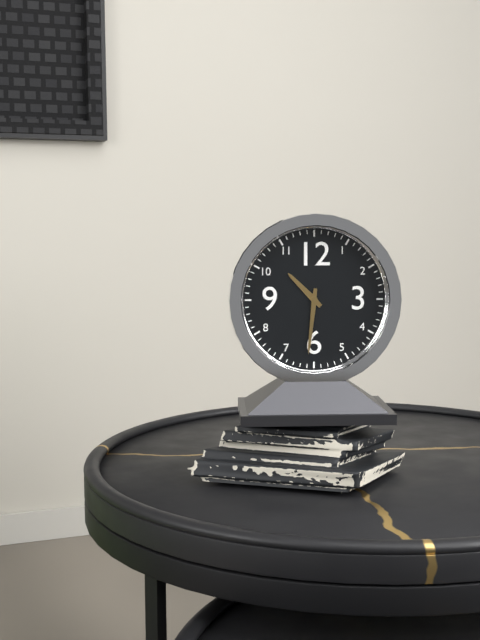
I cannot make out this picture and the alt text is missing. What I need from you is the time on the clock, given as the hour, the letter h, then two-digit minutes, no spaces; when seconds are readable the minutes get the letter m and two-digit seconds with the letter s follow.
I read 10h31
